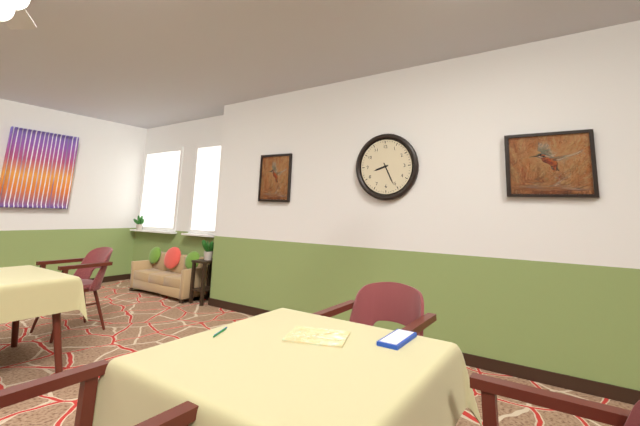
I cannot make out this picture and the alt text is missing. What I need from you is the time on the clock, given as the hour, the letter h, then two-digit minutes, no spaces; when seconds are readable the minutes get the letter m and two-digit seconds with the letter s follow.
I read 8h26
